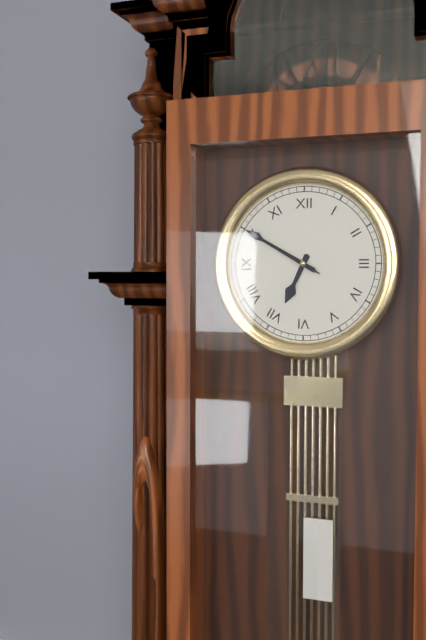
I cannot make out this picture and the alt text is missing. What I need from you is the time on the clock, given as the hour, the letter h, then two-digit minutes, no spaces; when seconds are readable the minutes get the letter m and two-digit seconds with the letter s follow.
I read 6h50m50s
